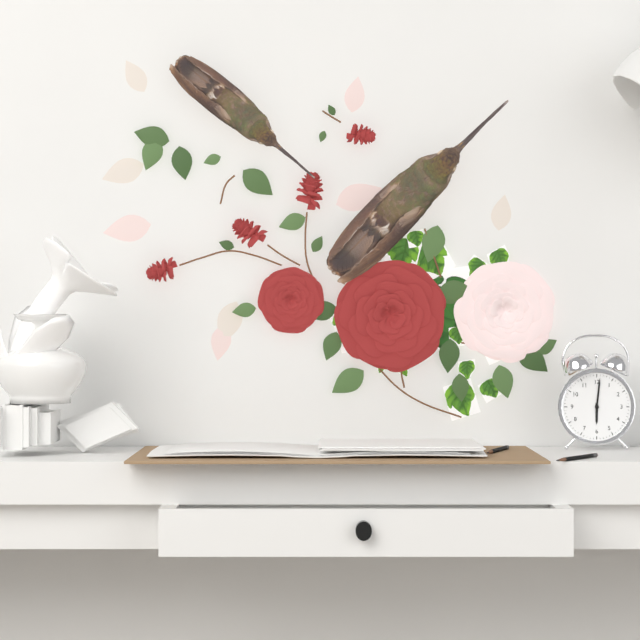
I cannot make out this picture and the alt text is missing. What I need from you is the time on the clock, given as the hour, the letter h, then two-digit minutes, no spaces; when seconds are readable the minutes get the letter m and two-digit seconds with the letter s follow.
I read 6h01
